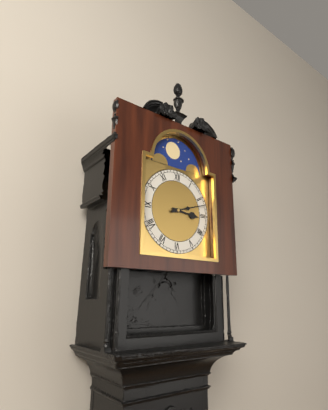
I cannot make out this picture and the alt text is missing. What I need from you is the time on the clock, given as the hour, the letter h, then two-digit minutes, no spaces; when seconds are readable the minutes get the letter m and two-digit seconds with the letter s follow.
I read 3h12
